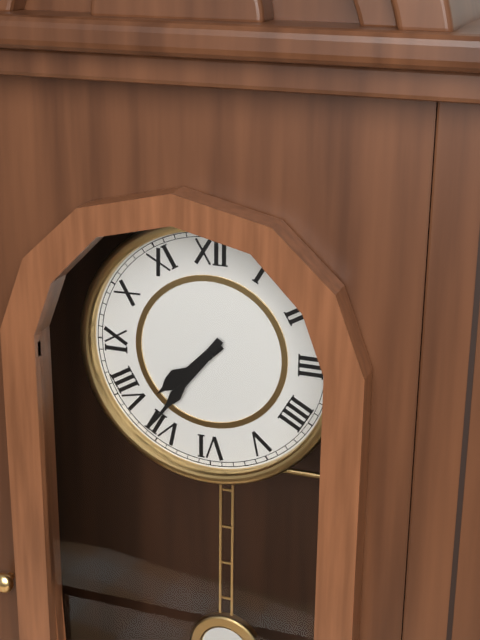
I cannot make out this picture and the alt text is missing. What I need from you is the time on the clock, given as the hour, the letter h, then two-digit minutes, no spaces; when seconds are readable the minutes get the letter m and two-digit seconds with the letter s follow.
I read 7h36
